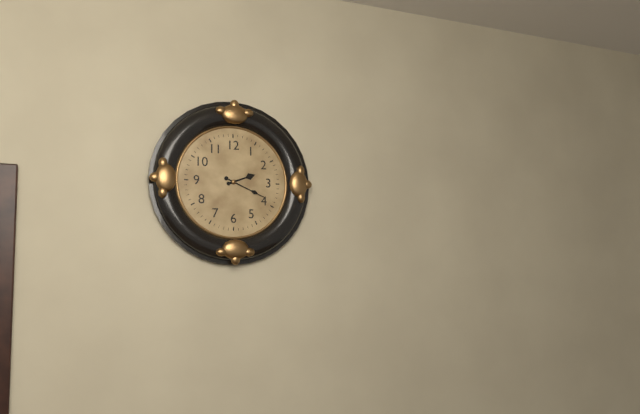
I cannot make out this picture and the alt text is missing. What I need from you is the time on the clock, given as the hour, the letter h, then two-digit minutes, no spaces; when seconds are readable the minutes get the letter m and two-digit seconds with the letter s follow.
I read 2h19
